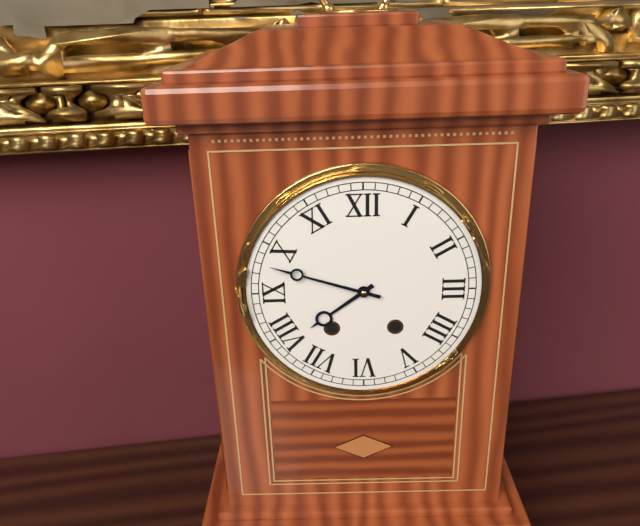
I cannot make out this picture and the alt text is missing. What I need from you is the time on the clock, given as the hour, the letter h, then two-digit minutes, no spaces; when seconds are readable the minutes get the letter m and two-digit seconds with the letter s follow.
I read 7h48
